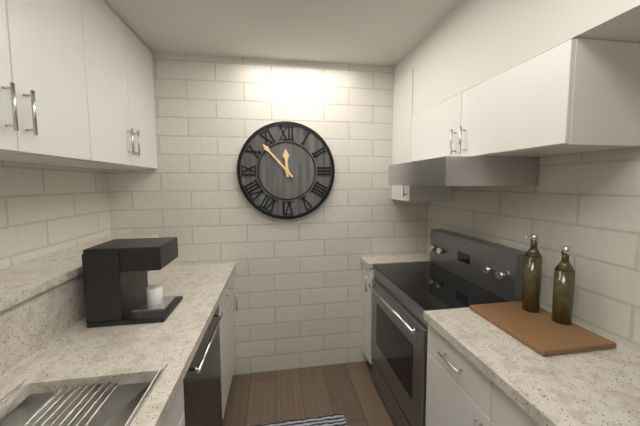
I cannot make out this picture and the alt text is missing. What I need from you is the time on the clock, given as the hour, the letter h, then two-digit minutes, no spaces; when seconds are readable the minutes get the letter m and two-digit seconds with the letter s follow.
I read 11h53
